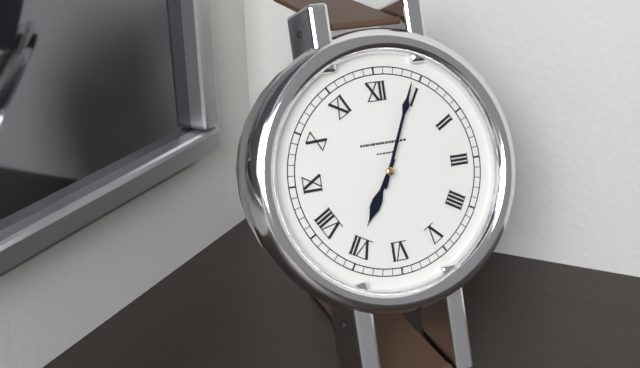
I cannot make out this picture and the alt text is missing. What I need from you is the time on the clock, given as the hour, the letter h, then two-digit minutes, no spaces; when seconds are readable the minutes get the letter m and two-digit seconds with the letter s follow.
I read 7h04
